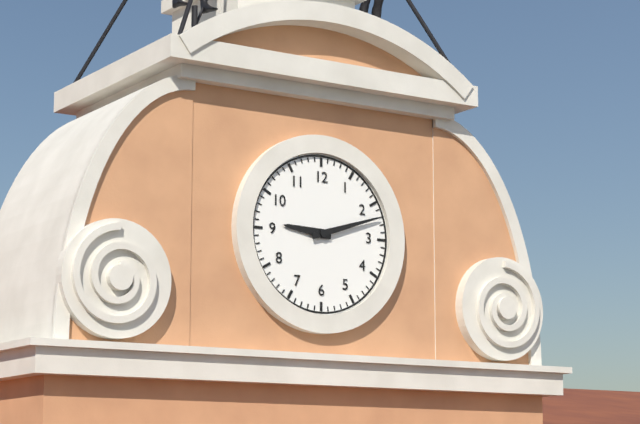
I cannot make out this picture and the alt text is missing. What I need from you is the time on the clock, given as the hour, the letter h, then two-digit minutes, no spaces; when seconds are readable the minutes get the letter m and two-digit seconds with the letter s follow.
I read 9h12
